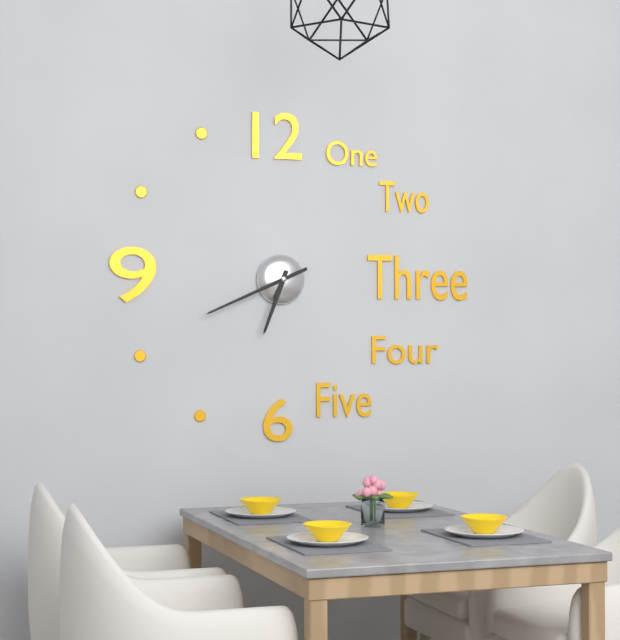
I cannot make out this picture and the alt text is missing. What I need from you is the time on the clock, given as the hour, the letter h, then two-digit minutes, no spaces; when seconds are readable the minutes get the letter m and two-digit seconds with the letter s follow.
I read 6h41
